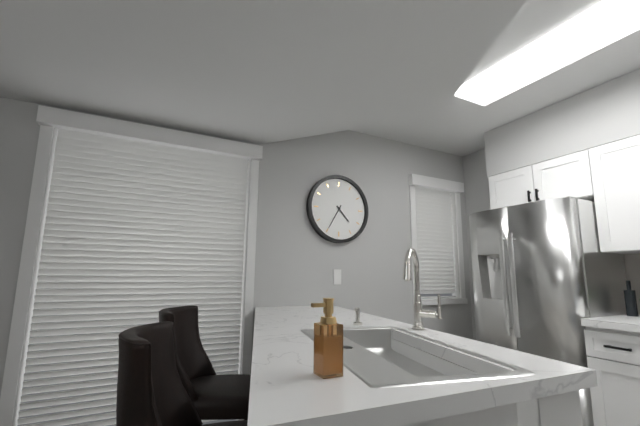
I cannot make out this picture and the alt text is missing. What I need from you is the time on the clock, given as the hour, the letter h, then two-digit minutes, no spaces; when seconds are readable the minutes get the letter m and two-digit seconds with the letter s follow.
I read 4h35
